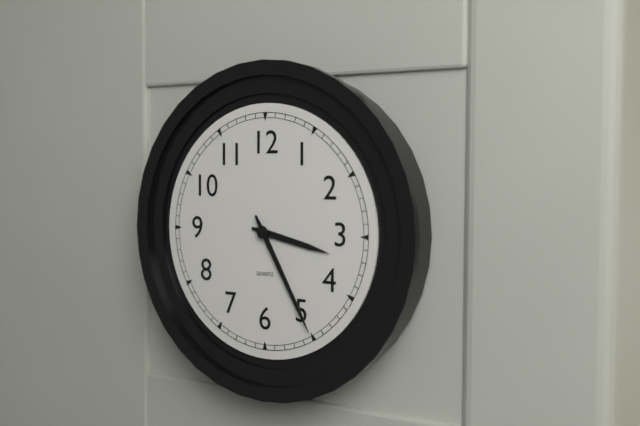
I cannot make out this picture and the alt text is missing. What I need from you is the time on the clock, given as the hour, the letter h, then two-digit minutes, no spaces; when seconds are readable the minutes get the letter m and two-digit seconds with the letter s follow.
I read 3h25
